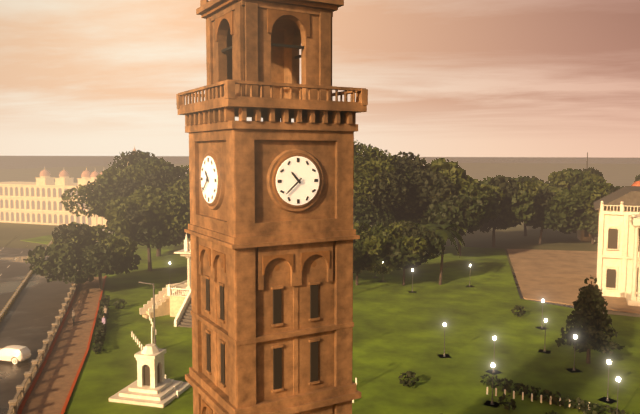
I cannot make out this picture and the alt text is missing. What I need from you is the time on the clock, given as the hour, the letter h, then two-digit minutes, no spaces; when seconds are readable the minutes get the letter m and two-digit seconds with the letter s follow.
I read 10h38
